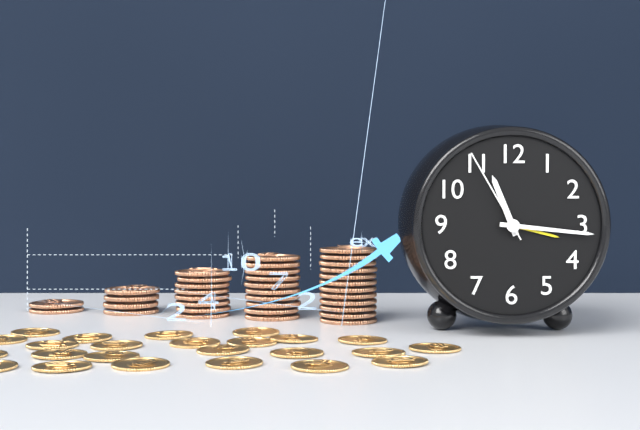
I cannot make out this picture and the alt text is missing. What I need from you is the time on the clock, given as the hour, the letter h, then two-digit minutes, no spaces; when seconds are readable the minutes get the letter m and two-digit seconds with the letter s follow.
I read 11h16m55s
